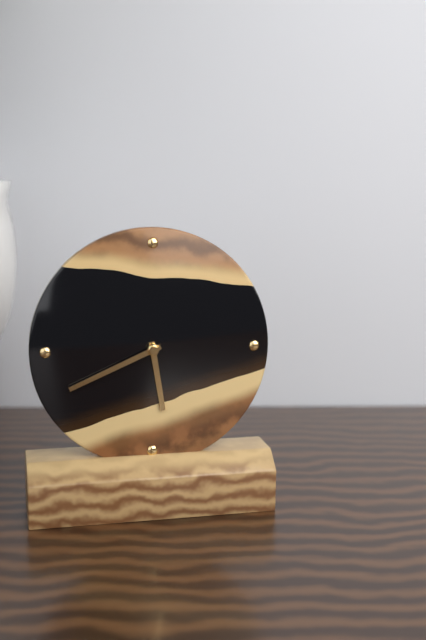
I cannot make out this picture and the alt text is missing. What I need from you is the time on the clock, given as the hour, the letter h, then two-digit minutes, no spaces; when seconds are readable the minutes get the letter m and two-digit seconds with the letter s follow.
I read 5h41
